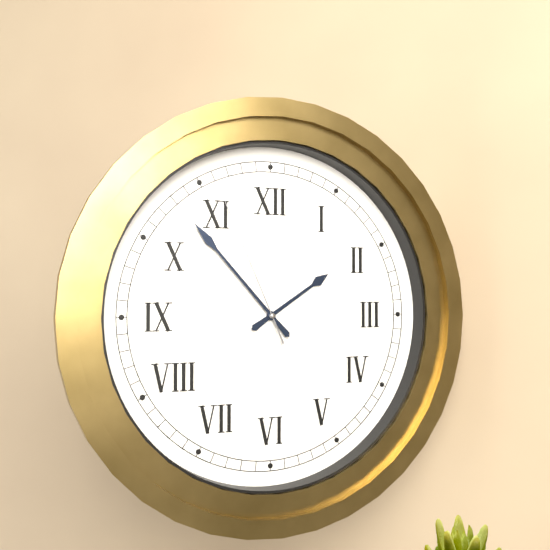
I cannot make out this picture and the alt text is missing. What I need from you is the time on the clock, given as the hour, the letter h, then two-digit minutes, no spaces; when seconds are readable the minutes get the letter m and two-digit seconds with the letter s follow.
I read 1h53m56s
